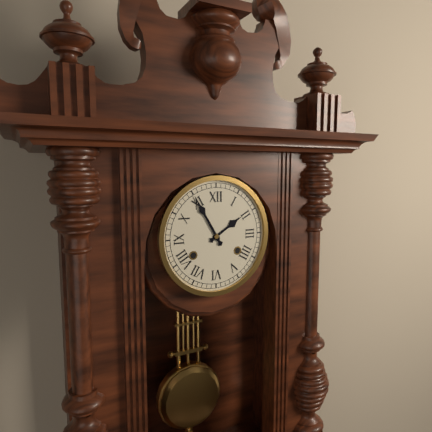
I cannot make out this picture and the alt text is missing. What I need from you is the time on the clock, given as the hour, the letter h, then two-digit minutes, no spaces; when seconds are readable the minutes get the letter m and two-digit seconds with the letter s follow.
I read 1h55
